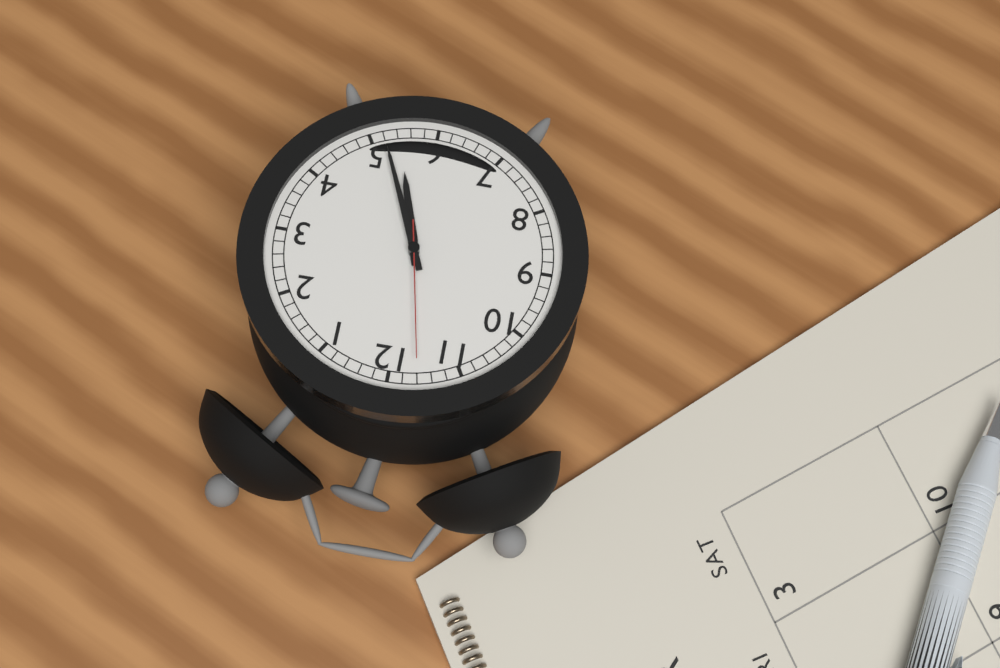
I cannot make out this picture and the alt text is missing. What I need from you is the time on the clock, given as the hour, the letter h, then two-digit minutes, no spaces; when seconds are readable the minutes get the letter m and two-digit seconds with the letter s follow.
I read 5h26m58s
